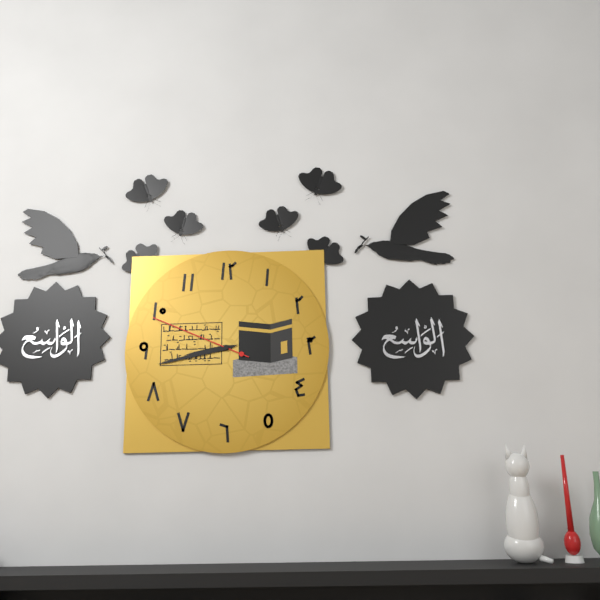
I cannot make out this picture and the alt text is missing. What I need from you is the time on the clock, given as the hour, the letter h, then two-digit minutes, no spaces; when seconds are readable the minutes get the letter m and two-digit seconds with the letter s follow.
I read 8h43m49s
